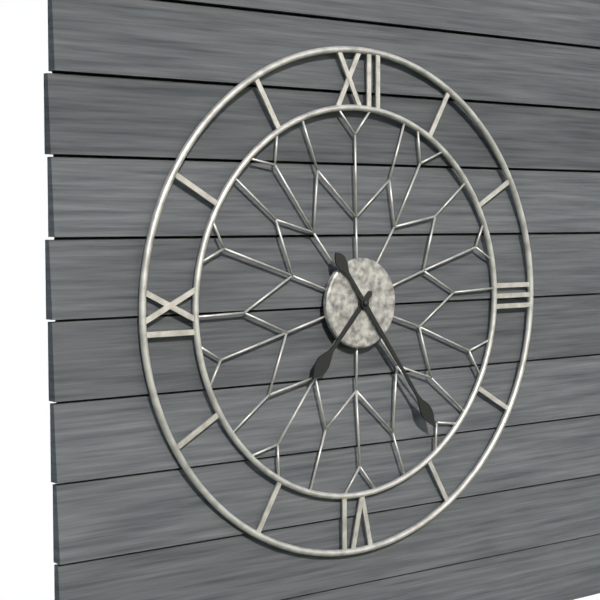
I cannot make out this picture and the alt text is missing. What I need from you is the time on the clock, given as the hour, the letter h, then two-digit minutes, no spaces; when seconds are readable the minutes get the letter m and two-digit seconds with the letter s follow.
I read 7h24
